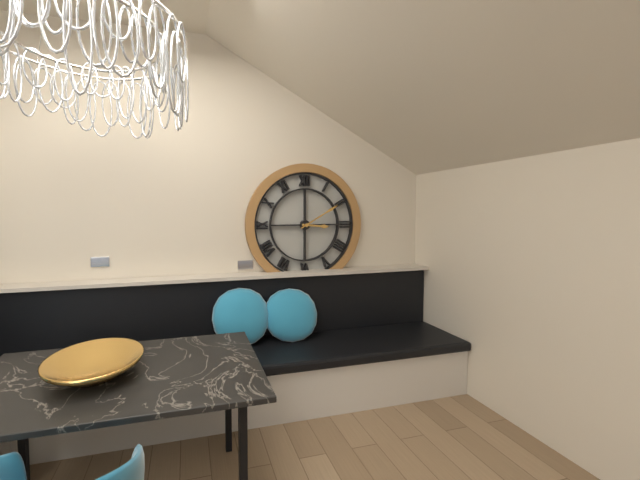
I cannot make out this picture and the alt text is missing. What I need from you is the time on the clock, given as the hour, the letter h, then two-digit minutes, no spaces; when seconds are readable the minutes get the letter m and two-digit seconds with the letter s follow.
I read 3h10
